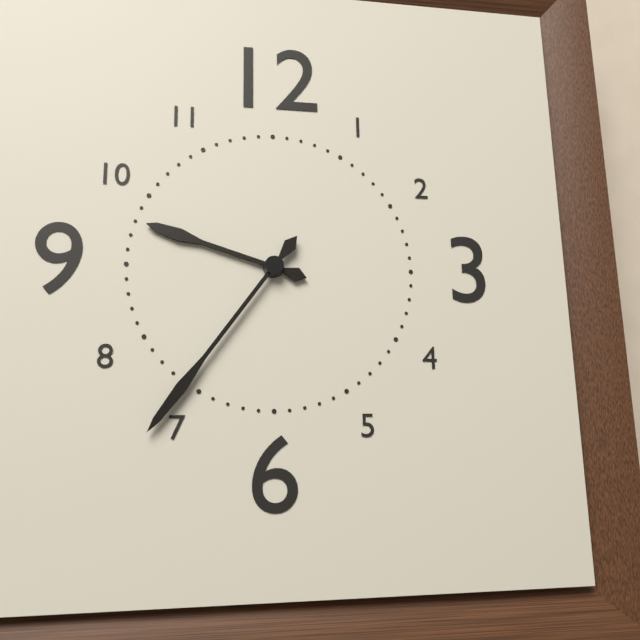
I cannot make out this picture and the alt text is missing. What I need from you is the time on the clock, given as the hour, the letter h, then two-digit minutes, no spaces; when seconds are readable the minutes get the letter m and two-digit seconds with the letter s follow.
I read 9h36
